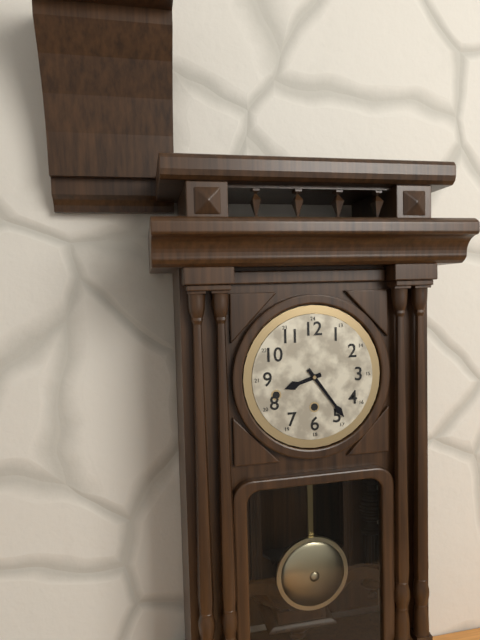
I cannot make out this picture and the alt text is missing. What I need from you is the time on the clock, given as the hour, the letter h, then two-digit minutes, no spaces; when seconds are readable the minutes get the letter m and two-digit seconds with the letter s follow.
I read 8h24
